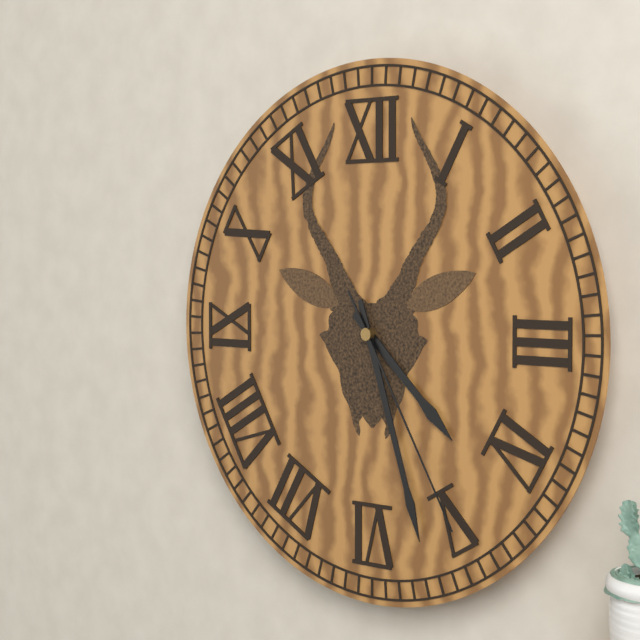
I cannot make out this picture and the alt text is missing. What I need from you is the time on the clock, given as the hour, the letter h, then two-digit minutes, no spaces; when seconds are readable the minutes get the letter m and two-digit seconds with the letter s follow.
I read 4h27m25s
